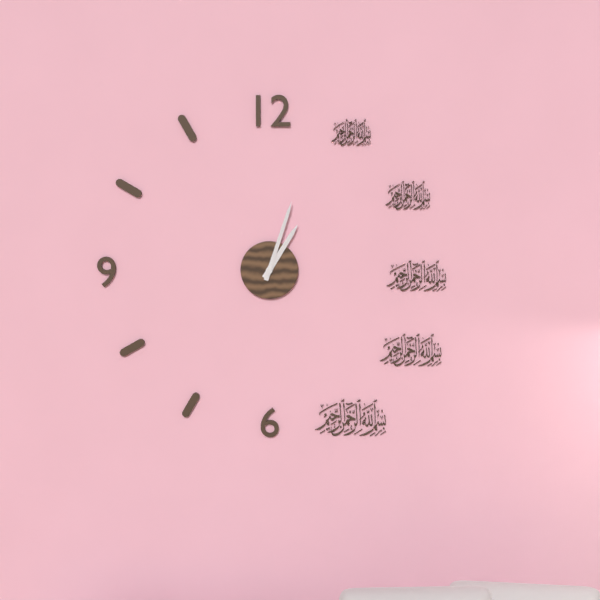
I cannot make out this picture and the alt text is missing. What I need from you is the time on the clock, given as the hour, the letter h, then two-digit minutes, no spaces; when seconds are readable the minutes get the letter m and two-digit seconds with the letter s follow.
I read 1h03
